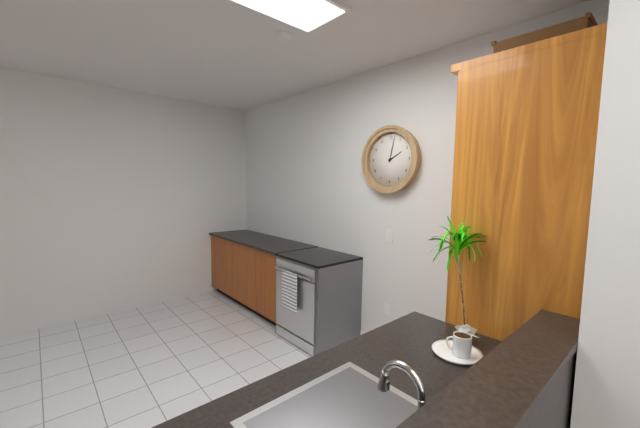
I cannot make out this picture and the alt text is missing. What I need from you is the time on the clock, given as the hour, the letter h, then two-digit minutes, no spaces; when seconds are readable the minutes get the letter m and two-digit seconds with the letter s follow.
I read 2h02
